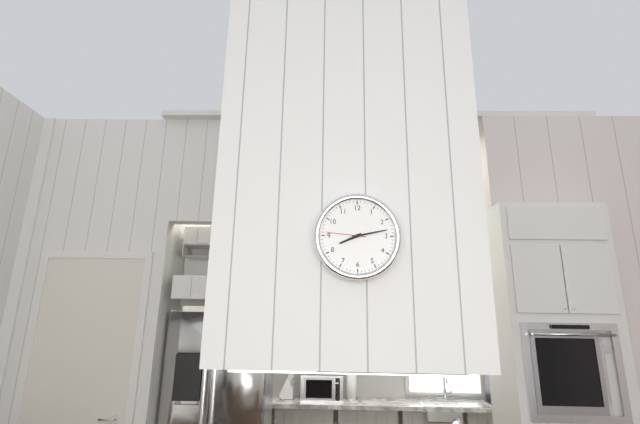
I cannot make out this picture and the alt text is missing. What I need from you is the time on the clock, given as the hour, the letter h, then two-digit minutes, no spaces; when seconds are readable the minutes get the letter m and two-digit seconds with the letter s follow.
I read 8h13
